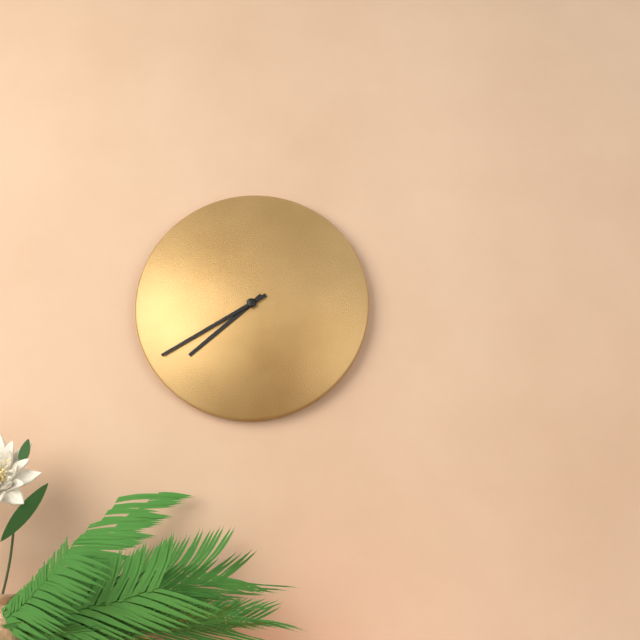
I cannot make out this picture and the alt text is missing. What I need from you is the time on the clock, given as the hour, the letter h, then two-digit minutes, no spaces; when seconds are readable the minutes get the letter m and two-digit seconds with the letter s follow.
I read 7h40
